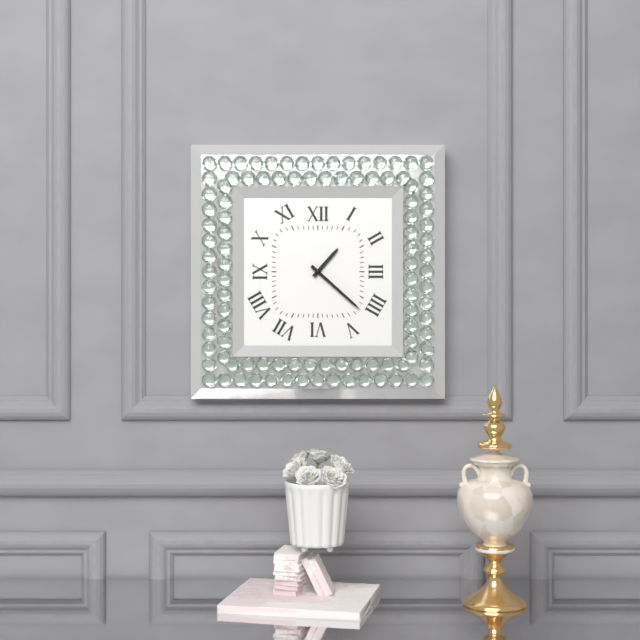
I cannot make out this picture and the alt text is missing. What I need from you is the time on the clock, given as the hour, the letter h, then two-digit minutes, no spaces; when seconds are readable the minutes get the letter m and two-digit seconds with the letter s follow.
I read 1h22
